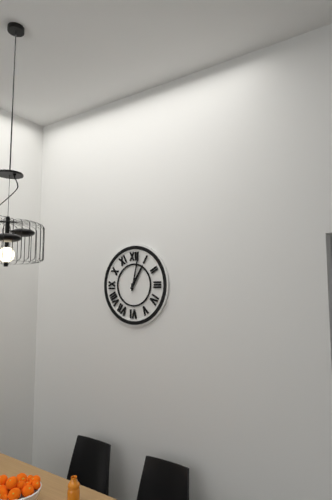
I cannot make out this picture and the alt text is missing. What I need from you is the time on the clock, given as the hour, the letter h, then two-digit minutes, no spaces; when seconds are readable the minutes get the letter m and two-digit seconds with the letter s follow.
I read 1h02
